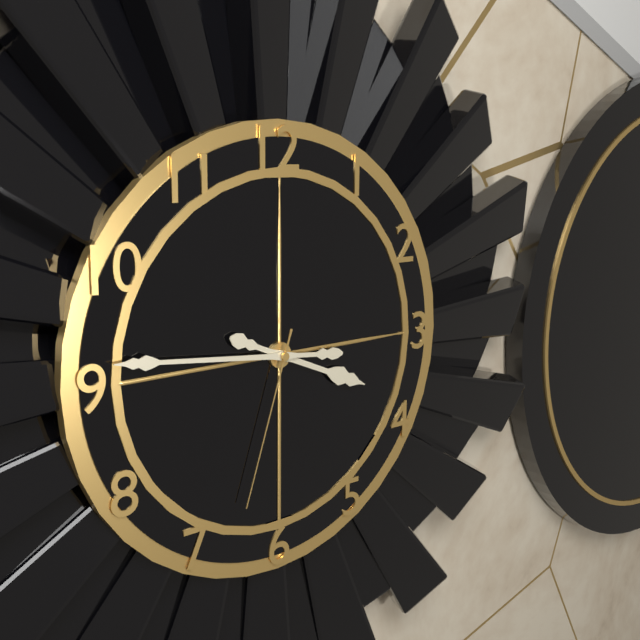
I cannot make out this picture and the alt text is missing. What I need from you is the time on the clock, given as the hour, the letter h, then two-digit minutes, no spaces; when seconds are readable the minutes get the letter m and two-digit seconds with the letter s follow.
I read 3h46m33s
